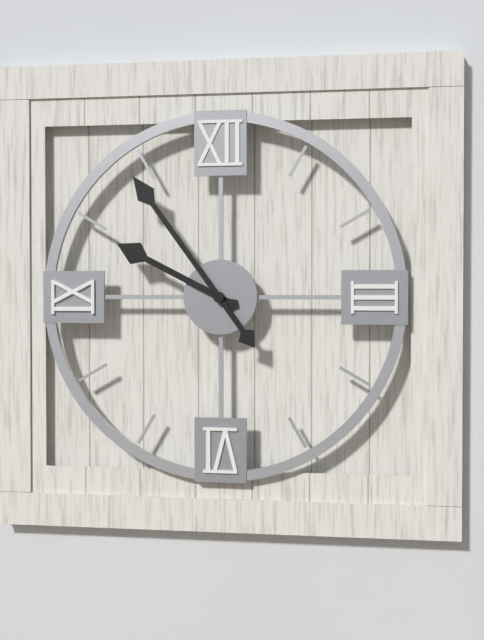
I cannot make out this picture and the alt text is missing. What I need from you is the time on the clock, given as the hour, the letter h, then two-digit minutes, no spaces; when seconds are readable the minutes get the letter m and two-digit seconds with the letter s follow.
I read 9h54
